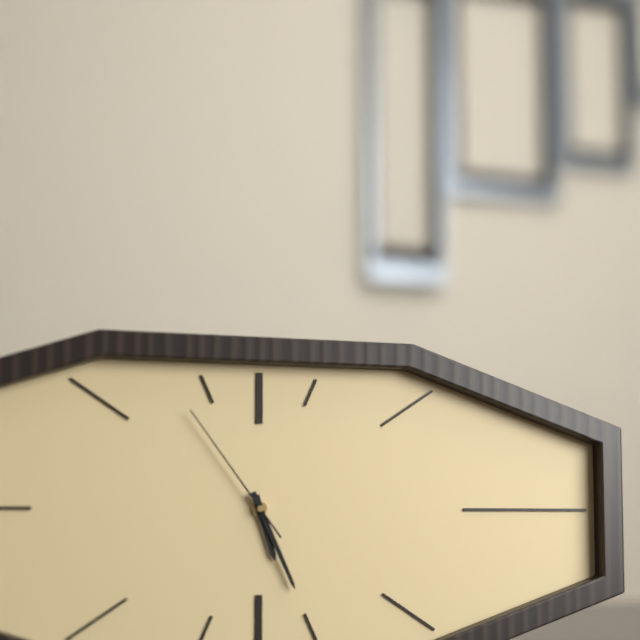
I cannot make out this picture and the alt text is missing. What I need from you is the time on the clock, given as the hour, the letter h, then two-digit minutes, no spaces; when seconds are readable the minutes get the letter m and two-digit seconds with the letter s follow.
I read 5h26m54s
